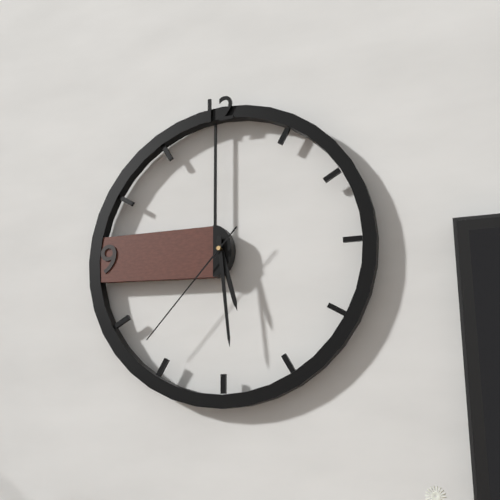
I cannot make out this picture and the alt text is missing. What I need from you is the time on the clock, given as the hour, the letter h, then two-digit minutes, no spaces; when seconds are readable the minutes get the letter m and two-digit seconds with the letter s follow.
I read 5h29m37s
